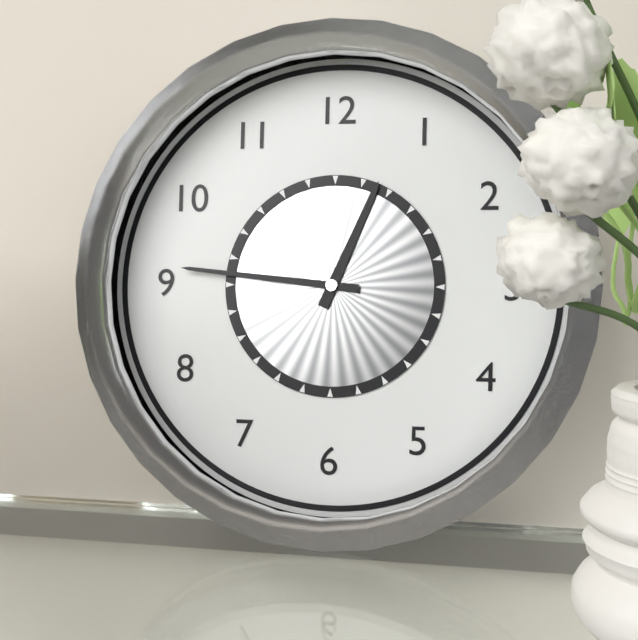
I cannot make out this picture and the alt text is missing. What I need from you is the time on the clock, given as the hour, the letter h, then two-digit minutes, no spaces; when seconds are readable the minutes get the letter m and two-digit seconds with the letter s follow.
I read 12h46
